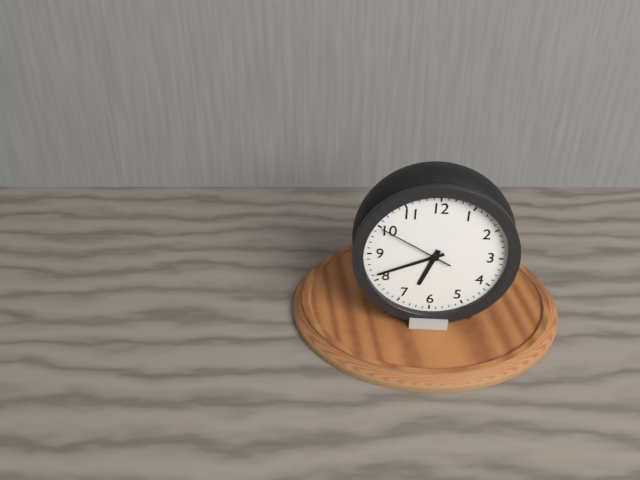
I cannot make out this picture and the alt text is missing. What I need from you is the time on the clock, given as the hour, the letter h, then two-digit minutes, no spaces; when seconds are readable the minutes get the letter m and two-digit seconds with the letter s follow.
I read 6h41m50s
